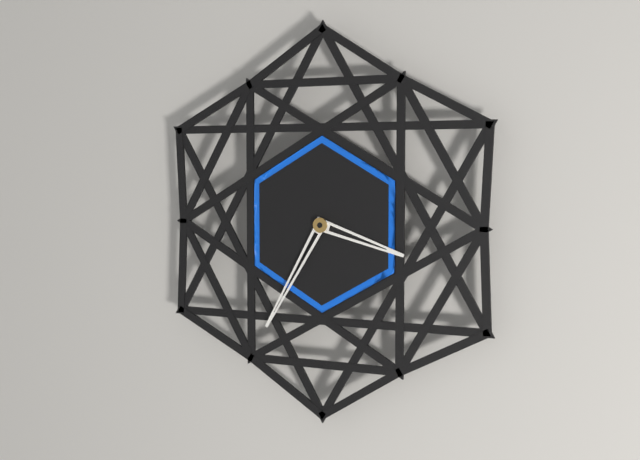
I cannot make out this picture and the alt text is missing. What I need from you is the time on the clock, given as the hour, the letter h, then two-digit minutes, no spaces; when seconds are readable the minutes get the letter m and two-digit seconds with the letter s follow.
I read 3h35
